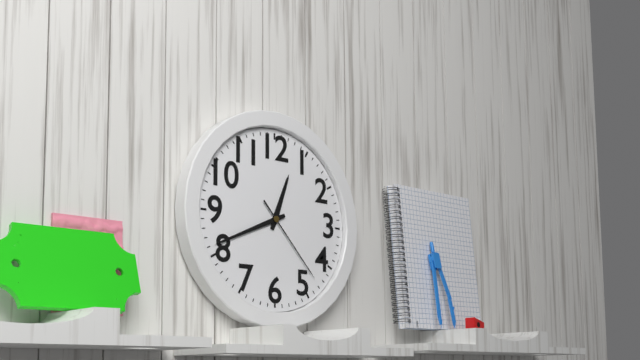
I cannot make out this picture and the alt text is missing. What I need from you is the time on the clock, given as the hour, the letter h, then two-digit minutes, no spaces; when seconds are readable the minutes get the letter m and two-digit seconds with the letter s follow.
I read 12h41m23s
